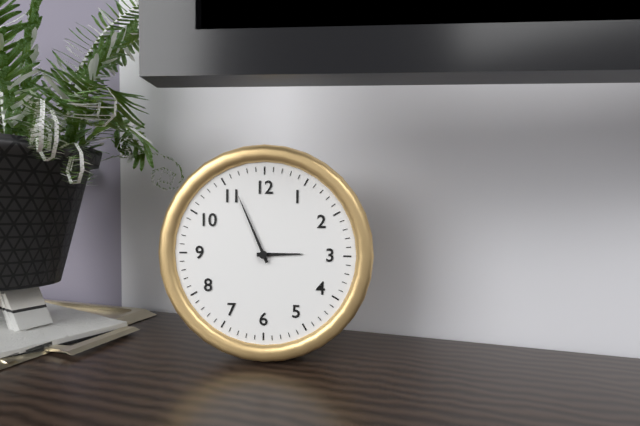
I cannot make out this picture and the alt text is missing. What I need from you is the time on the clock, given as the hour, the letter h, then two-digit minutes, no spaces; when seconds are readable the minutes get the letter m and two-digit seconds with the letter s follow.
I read 2h56
